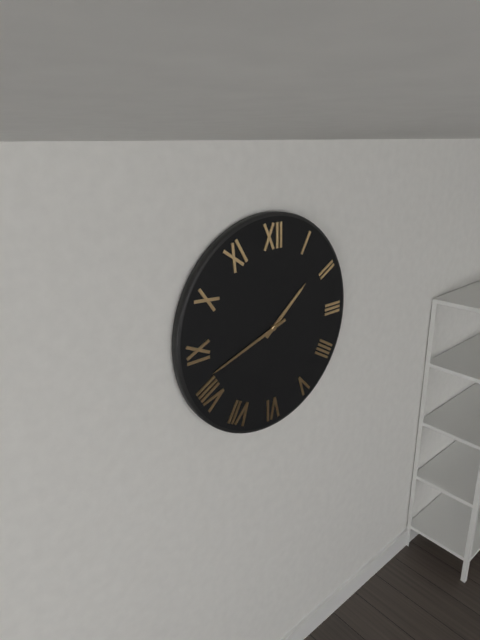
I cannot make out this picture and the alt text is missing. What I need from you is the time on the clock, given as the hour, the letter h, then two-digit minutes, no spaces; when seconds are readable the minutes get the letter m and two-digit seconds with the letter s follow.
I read 1h42
